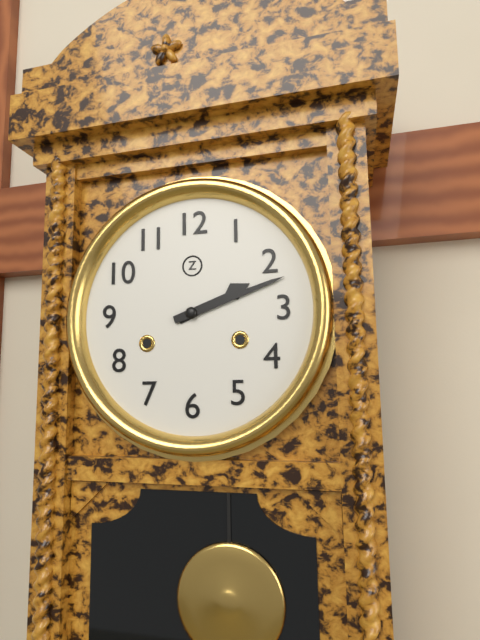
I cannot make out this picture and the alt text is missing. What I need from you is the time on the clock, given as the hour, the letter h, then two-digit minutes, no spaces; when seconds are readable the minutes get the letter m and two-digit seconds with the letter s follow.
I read 2h12
